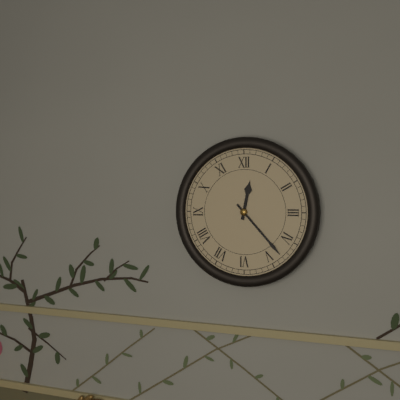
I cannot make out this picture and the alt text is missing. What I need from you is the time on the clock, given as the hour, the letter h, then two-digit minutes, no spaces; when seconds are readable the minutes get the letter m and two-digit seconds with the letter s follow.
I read 12h23
